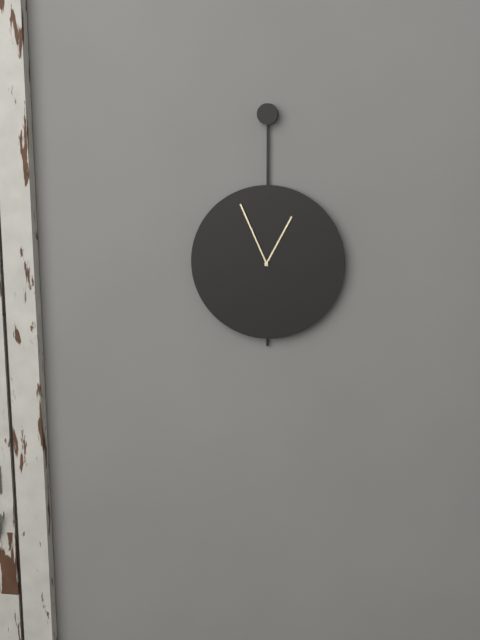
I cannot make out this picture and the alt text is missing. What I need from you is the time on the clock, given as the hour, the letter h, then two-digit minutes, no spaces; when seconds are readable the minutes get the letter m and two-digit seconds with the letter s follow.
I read 12h56
